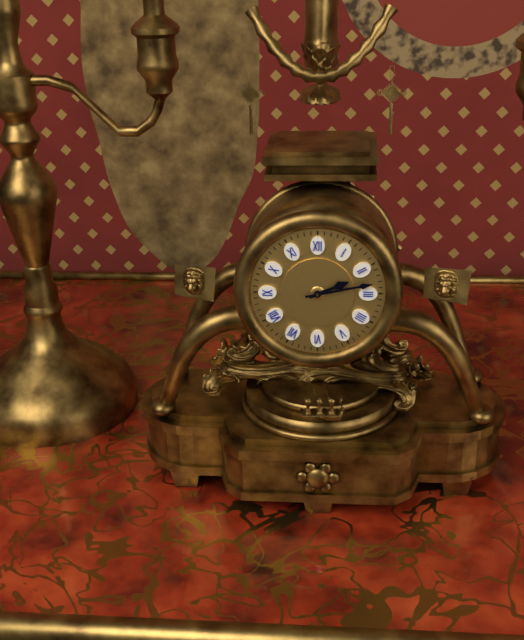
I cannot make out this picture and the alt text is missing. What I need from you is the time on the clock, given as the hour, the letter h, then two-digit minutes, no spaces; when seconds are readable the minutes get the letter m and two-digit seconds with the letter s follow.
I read 2h13
